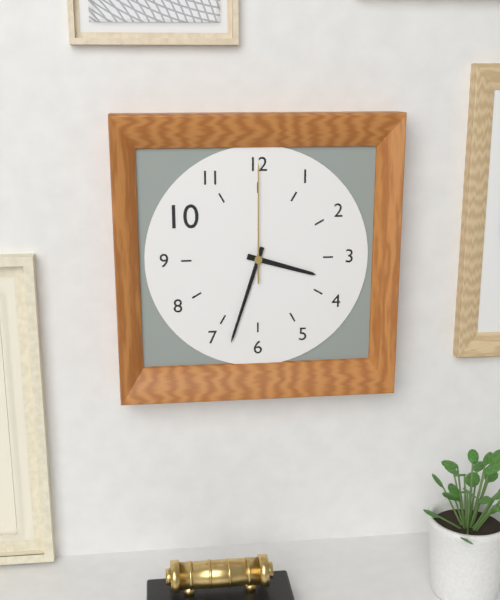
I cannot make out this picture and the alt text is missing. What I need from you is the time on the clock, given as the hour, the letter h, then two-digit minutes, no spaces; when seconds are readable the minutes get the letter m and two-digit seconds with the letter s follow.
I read 3h33m00s
